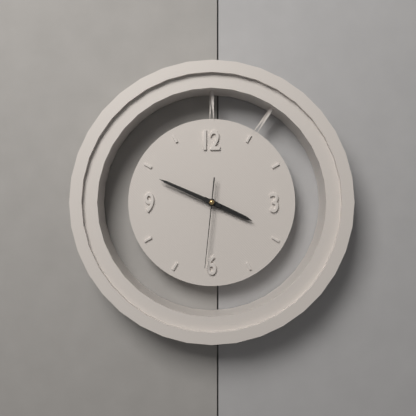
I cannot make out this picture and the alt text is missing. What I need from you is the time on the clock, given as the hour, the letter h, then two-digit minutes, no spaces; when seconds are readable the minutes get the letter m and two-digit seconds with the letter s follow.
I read 3h49m31s
